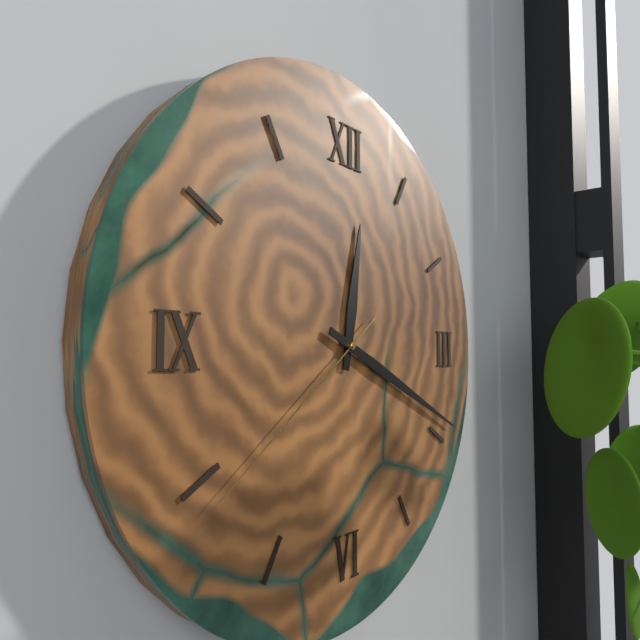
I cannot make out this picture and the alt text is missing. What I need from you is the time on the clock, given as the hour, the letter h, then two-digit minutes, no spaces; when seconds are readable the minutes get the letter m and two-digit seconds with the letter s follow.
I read 12h19m39s
